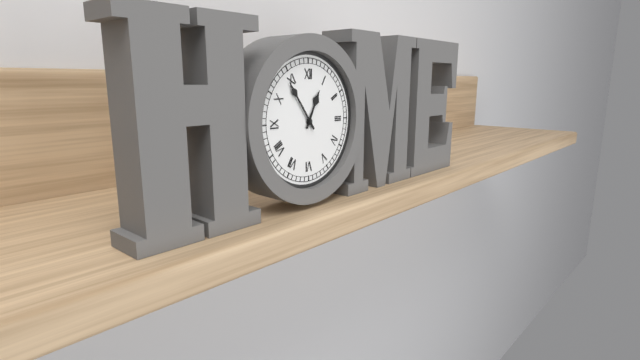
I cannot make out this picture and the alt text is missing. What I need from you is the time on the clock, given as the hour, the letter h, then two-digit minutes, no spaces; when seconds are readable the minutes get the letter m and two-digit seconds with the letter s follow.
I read 12h54
